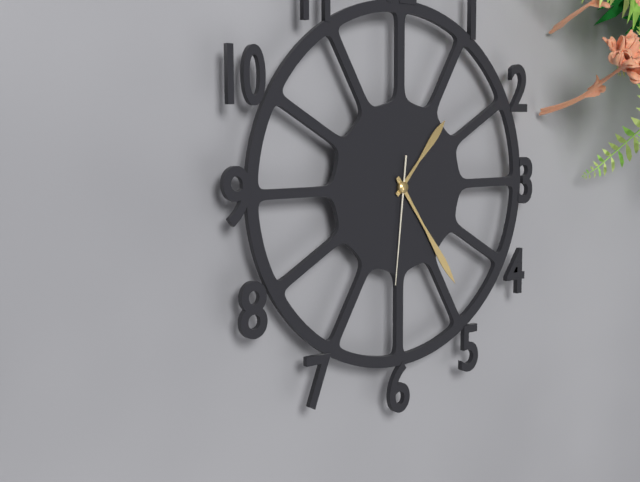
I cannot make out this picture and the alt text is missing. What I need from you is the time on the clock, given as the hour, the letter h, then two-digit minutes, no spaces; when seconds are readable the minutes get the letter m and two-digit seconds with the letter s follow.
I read 1h24m31s
